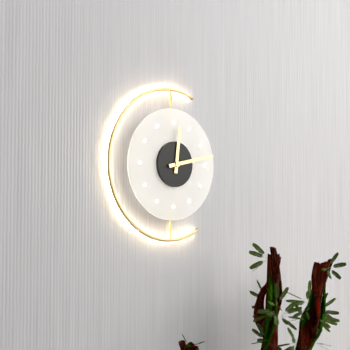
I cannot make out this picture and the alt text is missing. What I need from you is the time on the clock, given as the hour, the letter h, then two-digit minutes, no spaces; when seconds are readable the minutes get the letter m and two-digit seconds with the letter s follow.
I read 12h13
